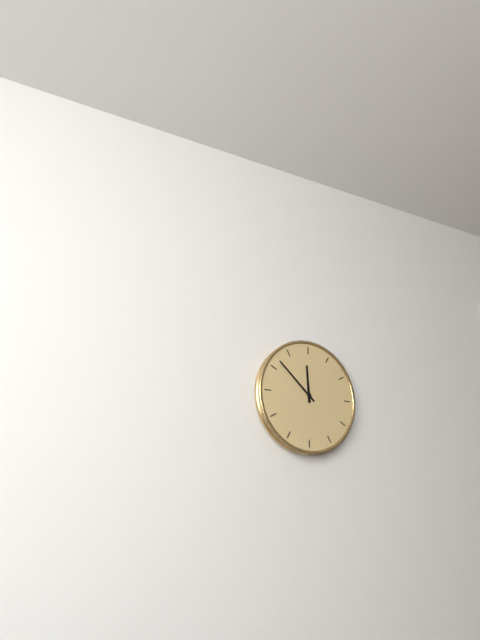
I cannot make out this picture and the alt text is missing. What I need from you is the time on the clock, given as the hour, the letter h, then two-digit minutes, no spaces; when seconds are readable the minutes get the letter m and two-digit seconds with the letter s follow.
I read 11h52
